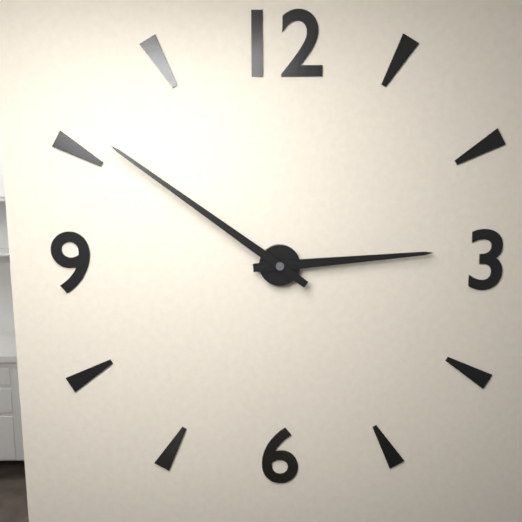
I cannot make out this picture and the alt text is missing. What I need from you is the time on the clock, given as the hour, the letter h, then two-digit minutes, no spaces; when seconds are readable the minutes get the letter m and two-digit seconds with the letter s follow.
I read 2h51
